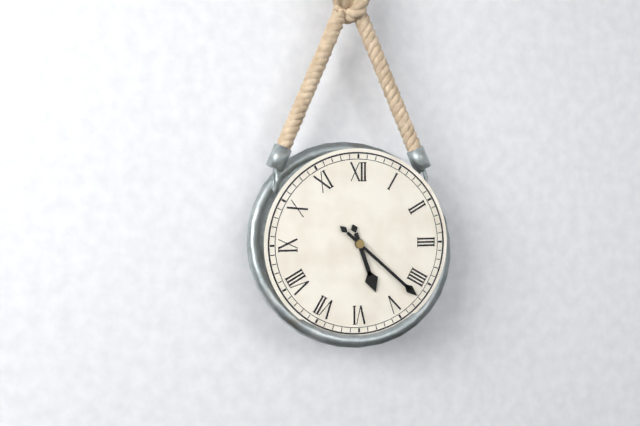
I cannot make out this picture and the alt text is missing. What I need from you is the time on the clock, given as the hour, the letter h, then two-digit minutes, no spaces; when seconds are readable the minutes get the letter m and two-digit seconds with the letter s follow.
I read 5h22
